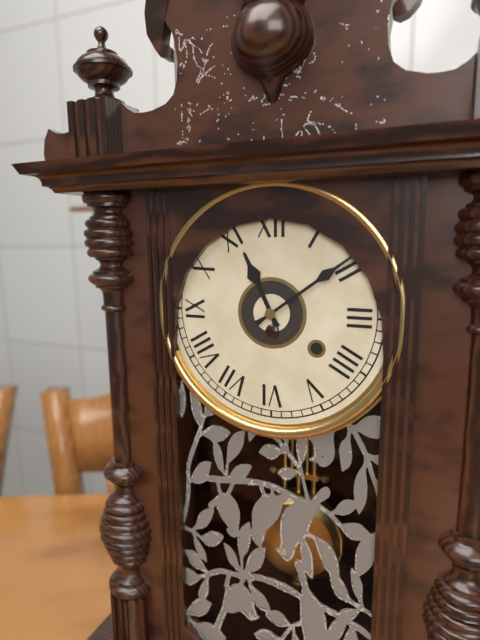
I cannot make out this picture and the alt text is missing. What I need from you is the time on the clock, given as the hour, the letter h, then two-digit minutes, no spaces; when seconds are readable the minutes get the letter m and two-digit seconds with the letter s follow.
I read 11h09
